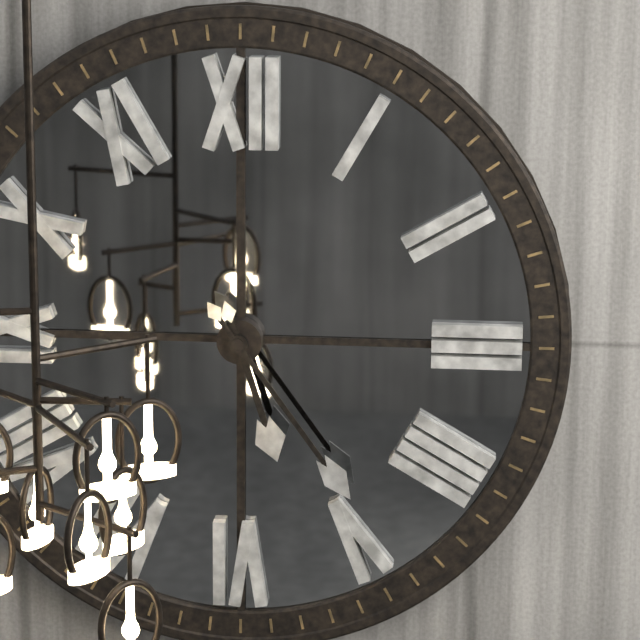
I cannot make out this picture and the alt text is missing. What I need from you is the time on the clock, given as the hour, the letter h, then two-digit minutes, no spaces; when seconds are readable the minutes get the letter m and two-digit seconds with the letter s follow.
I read 5h24
